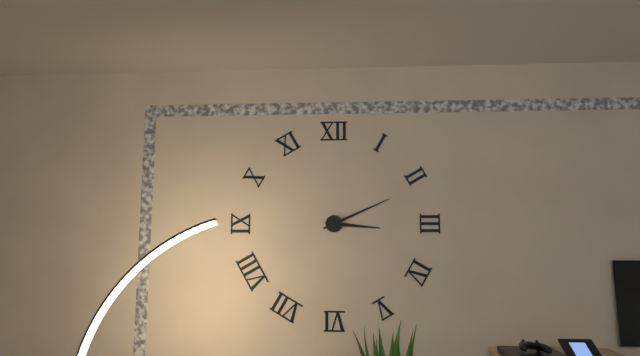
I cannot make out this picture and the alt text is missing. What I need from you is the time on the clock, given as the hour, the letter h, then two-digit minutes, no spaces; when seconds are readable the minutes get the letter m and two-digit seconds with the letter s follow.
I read 3h11
